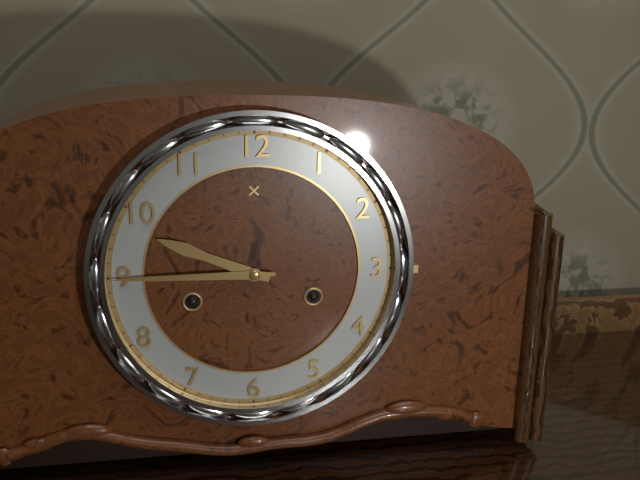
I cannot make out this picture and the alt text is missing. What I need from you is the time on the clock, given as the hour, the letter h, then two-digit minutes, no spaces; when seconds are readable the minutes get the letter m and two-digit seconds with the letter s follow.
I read 9h45
